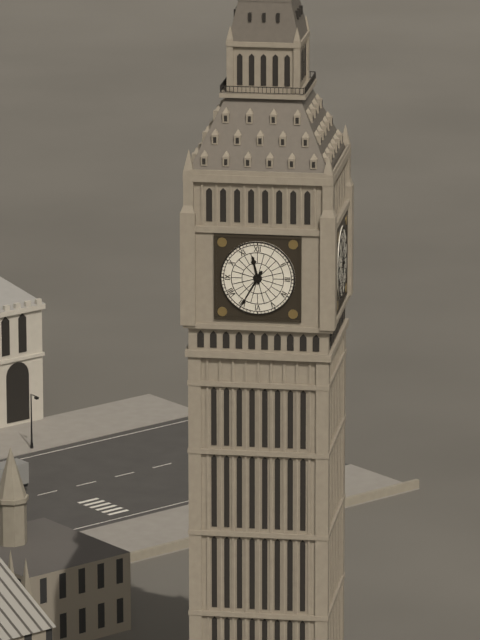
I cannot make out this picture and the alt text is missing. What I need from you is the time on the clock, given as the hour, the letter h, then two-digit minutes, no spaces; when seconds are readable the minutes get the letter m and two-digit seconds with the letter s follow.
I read 11h35
